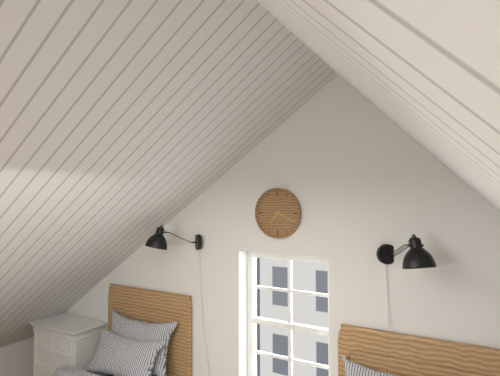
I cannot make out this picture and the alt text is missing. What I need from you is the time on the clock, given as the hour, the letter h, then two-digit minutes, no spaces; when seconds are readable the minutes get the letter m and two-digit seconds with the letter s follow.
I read 7h19
